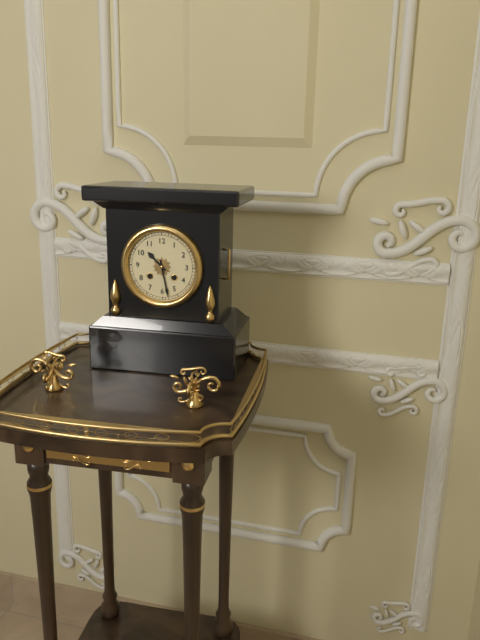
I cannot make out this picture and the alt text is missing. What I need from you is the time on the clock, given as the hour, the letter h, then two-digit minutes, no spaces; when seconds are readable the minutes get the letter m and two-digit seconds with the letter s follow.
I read 10h28
